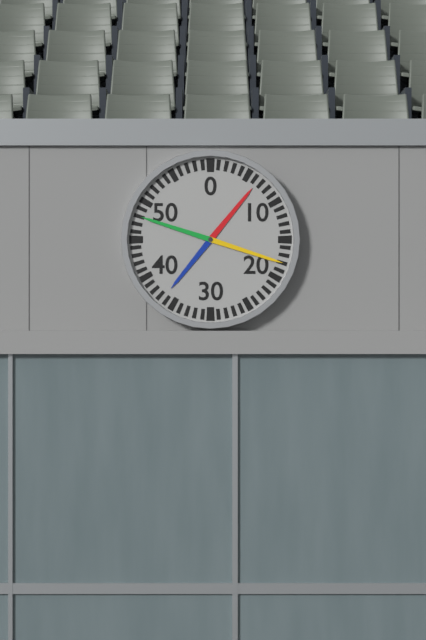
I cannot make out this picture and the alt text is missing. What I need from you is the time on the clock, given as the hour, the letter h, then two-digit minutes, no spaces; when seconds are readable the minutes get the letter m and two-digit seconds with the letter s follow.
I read 1h18
